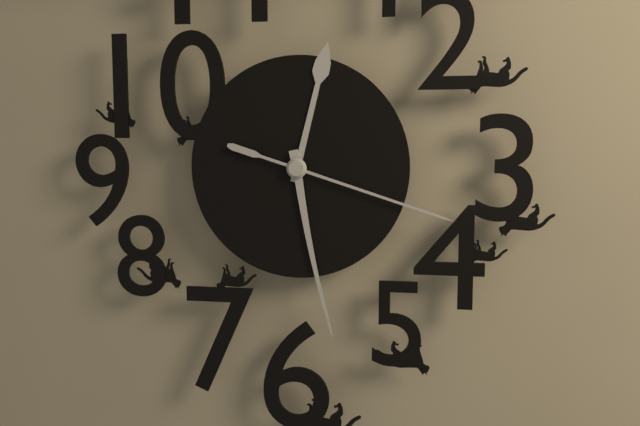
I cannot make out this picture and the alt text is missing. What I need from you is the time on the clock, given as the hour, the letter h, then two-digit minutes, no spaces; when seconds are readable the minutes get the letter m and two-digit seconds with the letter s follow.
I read 12h28m18s
